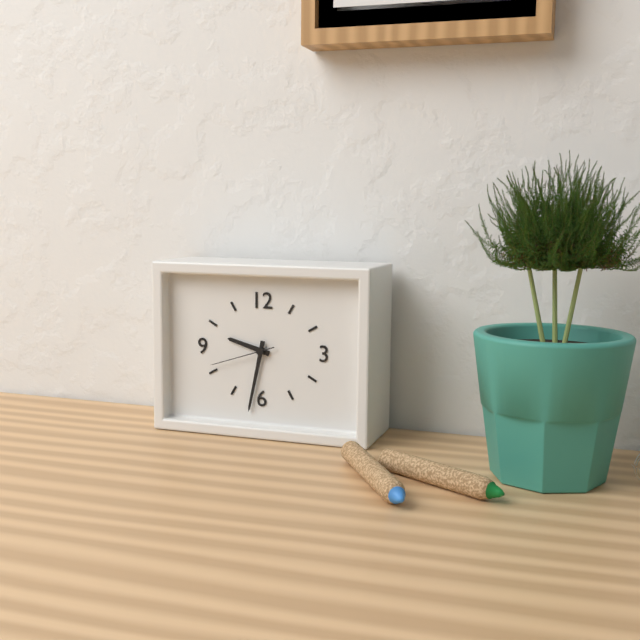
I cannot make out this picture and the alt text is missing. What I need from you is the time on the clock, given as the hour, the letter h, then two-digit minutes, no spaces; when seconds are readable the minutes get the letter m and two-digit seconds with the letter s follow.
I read 9h32m42s
